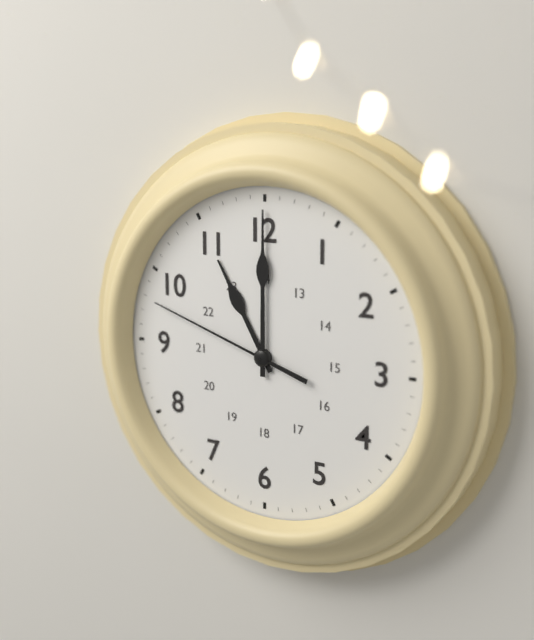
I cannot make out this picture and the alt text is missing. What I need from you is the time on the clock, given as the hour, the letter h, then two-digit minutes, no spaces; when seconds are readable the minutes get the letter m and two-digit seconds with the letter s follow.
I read 11h00m48s
